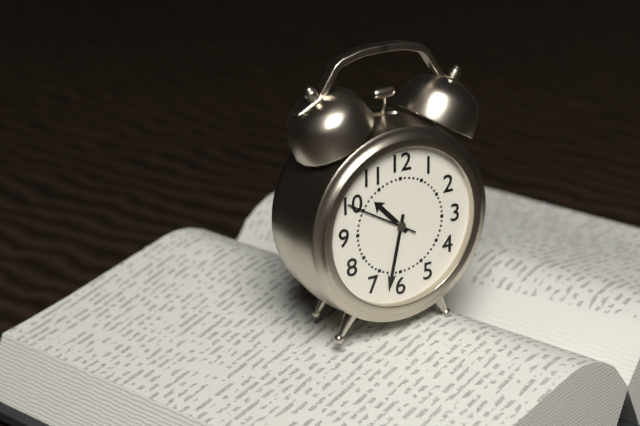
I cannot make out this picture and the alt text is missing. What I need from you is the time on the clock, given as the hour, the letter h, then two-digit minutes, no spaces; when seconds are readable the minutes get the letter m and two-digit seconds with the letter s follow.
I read 10h32m50s
